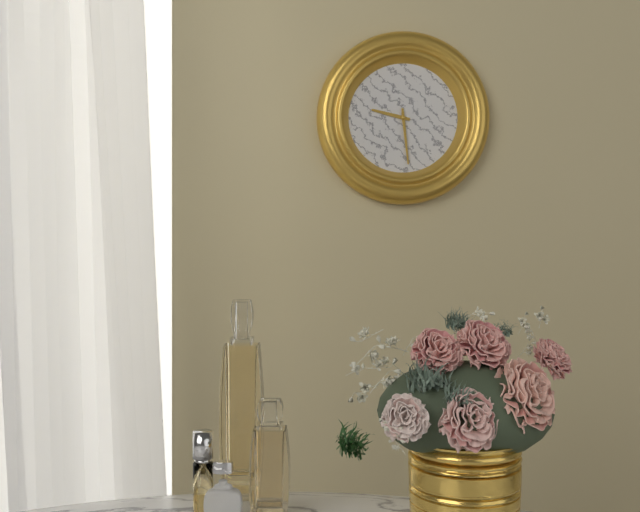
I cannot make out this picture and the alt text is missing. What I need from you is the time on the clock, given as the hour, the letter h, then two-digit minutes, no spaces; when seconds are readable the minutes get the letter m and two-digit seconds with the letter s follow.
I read 9h29
